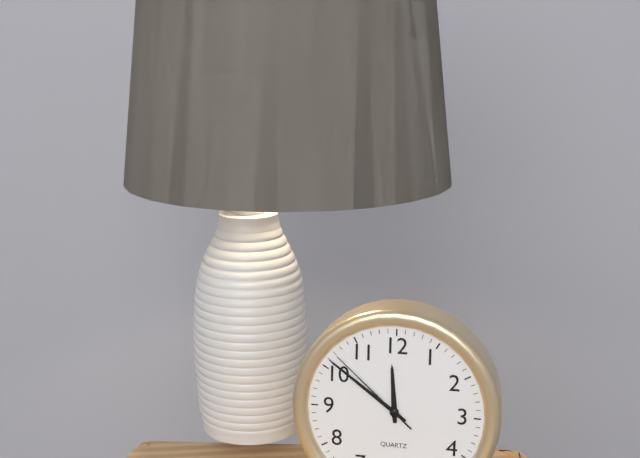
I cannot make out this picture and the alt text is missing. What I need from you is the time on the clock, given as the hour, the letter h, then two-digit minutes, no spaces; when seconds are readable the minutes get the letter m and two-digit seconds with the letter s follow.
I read 11h51m52s
